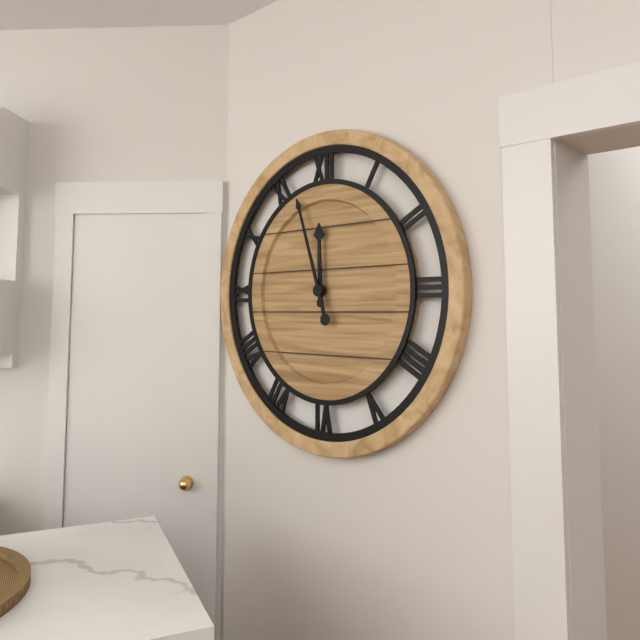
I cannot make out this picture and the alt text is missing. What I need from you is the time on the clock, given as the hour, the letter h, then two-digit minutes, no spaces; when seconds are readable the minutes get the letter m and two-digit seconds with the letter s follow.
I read 11h57
